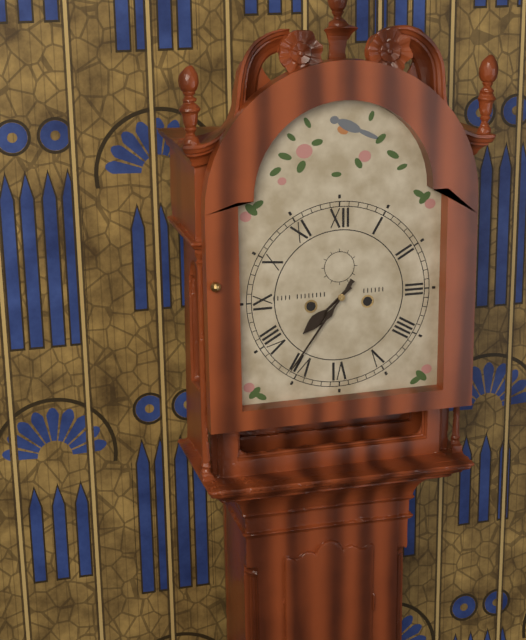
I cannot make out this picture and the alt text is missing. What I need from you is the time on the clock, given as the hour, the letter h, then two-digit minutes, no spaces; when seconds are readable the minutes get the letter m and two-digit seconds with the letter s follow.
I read 7h36
